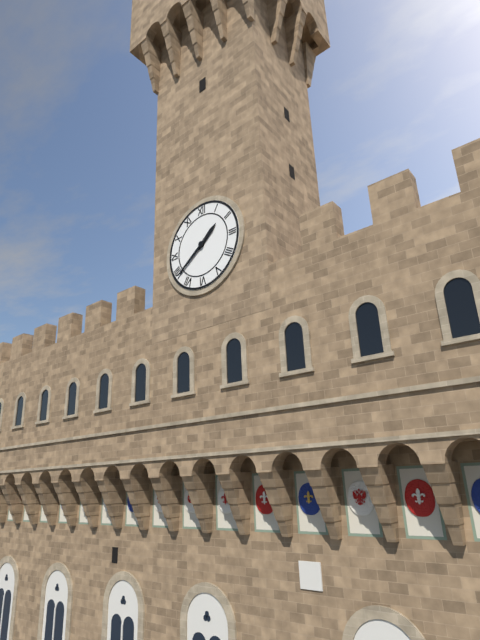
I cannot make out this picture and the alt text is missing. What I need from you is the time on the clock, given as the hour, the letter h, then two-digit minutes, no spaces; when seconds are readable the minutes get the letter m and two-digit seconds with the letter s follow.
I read 1h39
